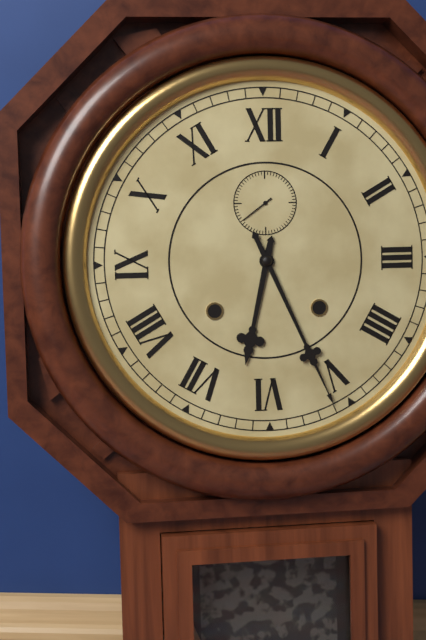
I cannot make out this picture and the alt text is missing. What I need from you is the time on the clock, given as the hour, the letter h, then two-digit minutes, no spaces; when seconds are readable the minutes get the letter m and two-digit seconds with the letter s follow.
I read 6h26
